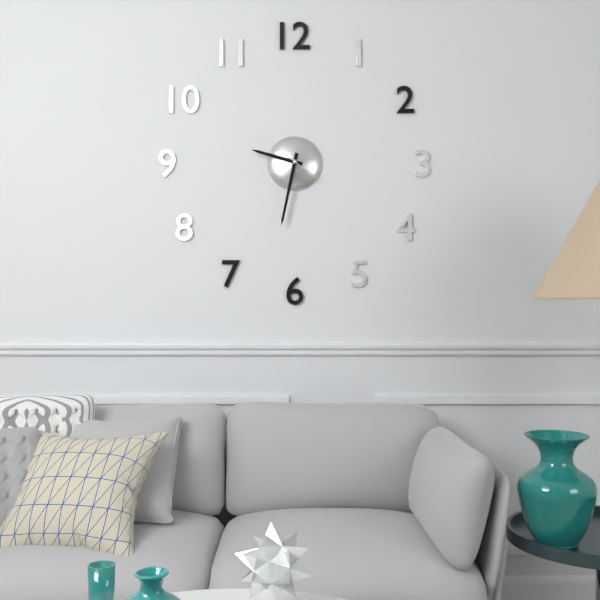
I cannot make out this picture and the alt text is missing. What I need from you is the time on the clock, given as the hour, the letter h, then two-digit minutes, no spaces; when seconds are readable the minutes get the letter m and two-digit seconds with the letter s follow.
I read 9h32m51s
